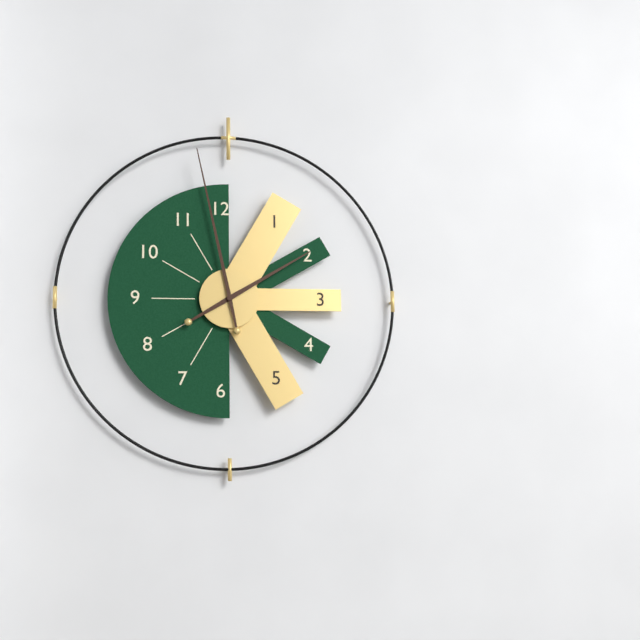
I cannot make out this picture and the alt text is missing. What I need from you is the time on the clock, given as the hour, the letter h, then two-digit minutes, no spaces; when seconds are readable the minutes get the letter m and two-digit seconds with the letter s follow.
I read 1h58
